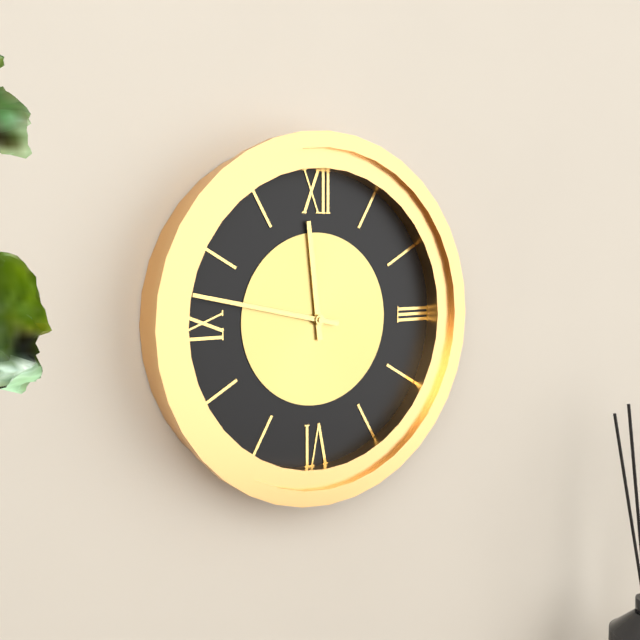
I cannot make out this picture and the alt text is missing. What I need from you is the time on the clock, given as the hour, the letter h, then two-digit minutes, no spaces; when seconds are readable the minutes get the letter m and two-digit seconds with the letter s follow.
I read 11h47
